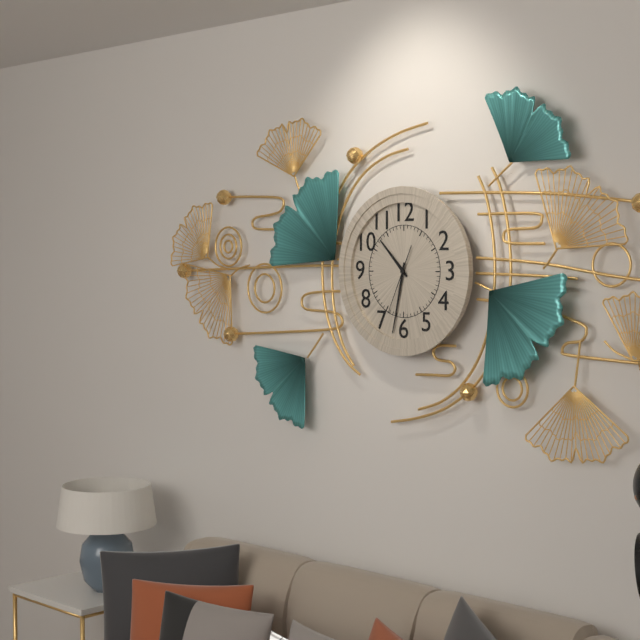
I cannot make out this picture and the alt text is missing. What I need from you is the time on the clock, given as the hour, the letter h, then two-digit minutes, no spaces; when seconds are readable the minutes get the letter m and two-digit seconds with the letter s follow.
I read 10h32m34s
